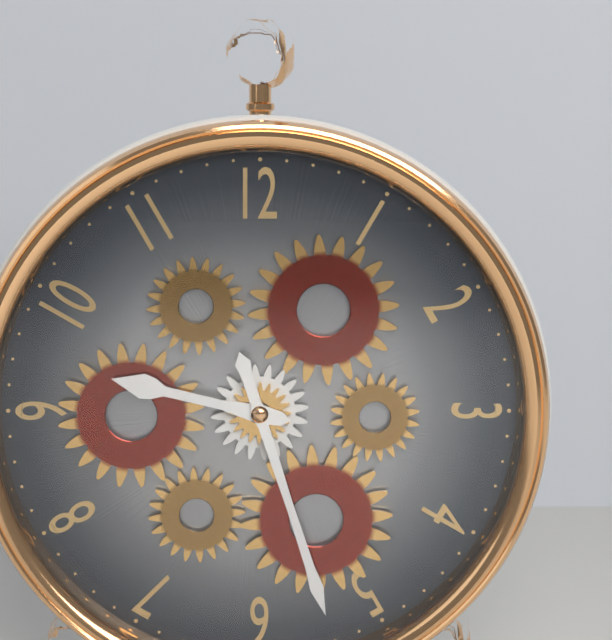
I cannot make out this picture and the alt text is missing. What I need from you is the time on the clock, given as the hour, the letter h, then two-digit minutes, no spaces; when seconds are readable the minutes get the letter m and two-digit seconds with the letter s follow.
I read 9h27
